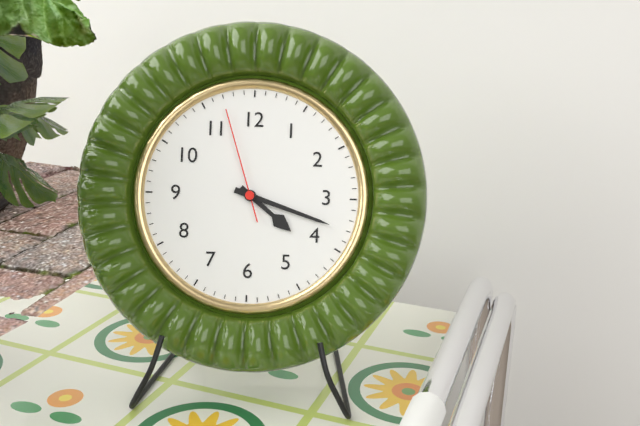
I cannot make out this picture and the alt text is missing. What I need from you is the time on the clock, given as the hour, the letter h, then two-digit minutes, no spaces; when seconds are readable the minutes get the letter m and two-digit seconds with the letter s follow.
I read 4h18m57s
